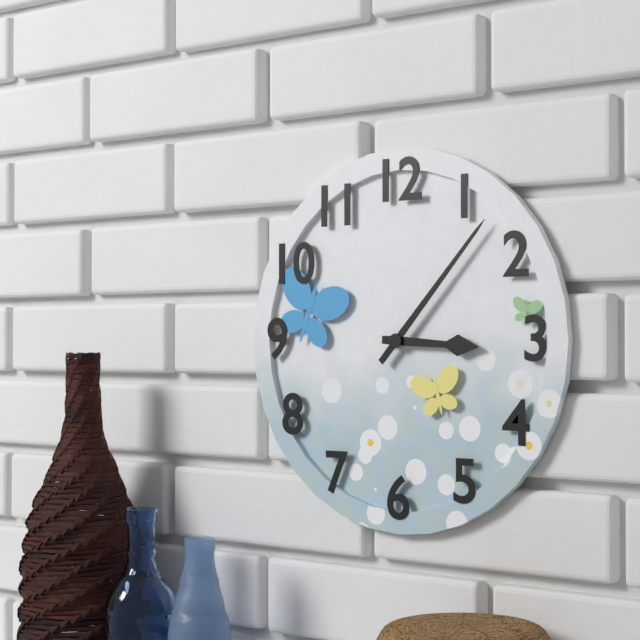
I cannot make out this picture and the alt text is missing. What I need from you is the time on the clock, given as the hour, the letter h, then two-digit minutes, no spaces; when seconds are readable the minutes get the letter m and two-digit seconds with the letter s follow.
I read 3h07
